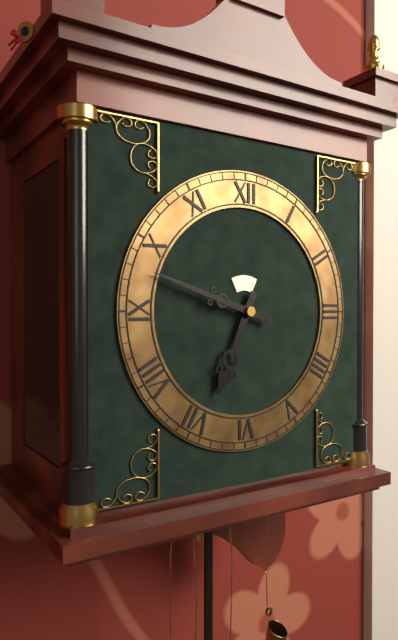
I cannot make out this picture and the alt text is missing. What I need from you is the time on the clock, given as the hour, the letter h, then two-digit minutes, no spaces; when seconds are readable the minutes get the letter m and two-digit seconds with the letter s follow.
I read 6h48
